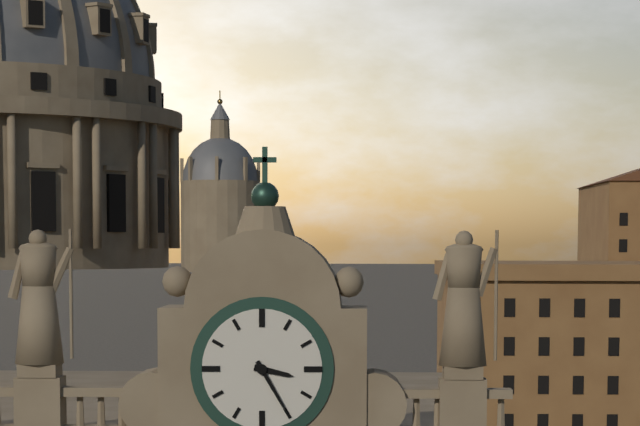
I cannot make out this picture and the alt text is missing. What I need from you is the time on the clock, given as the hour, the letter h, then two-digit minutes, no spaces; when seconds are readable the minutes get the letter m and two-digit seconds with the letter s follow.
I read 3h25
